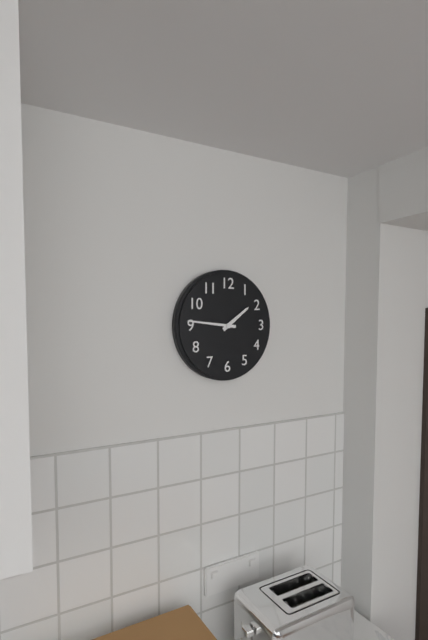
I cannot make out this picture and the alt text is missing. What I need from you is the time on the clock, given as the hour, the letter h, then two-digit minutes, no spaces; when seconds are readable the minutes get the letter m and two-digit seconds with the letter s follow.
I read 1h46
